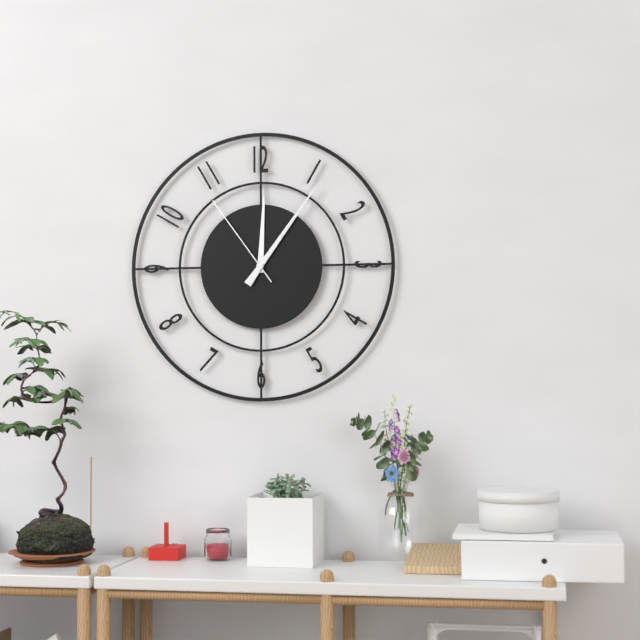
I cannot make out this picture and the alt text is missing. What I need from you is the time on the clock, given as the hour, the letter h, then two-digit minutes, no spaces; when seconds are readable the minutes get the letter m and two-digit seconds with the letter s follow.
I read 12h06m54s
